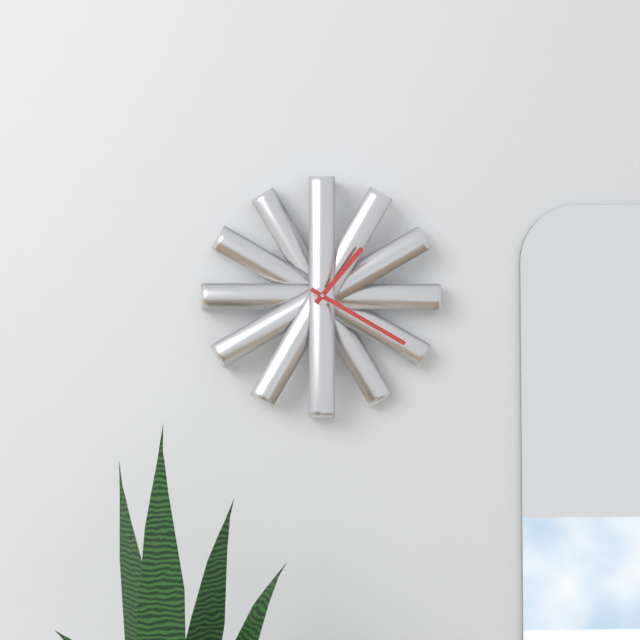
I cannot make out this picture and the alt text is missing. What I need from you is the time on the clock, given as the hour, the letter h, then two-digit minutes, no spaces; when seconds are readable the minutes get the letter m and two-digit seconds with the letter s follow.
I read 1h20
